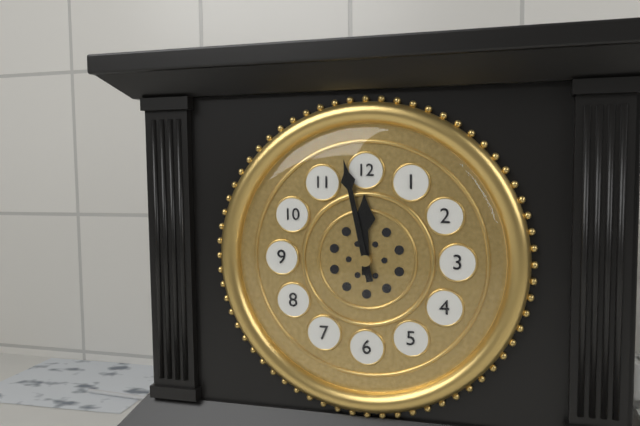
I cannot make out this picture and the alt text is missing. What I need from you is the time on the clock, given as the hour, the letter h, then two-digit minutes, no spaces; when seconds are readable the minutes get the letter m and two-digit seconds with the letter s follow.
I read 11h58
